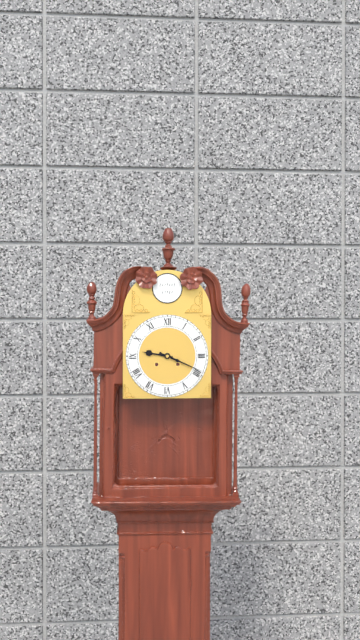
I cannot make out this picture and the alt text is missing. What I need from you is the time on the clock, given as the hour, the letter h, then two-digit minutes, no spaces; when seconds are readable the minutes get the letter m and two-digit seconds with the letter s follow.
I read 9h19
